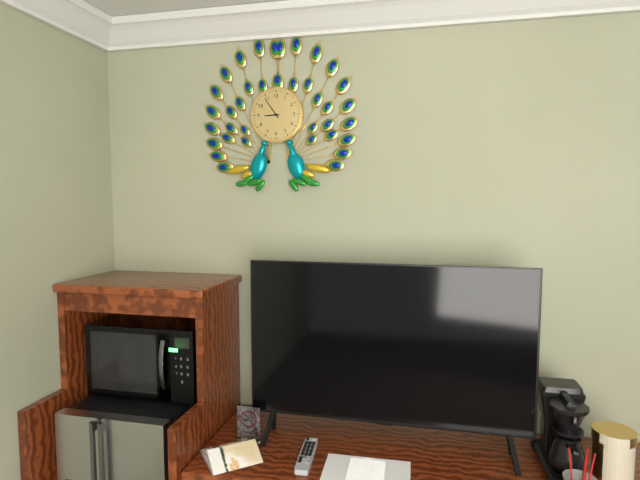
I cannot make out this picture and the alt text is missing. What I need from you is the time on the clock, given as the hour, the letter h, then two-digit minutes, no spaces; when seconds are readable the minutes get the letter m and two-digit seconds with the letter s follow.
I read 8h54
